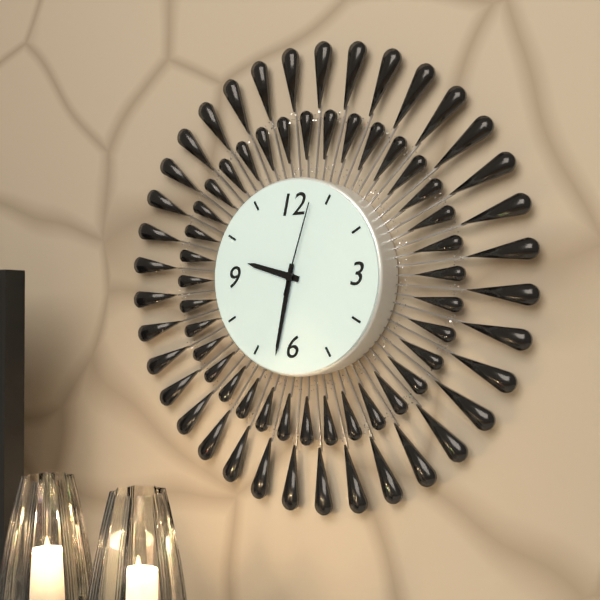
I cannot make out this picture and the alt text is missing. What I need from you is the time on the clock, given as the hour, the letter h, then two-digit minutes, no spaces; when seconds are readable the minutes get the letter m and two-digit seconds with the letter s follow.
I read 9h32m03s
